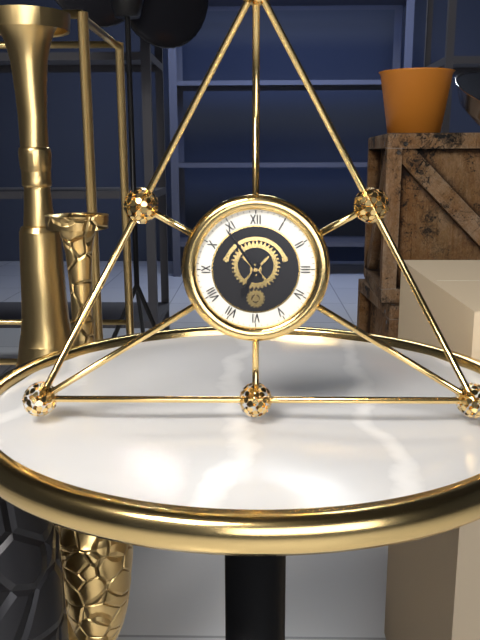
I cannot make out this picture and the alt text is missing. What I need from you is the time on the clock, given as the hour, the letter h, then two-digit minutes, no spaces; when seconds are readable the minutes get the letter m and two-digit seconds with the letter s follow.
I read 6h54
